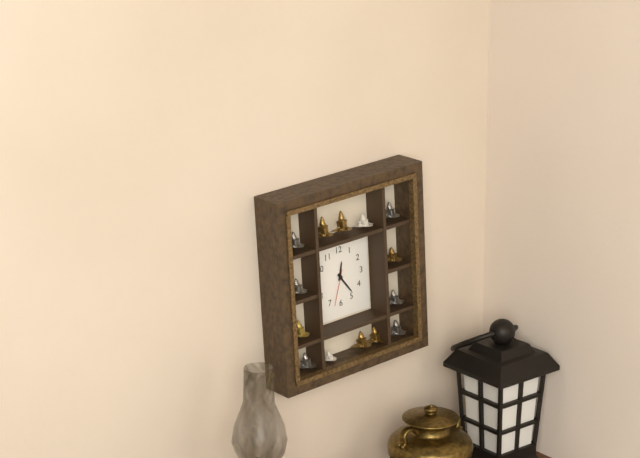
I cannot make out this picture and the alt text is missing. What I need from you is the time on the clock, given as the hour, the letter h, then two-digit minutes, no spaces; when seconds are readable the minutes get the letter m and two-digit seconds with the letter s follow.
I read 12h24
